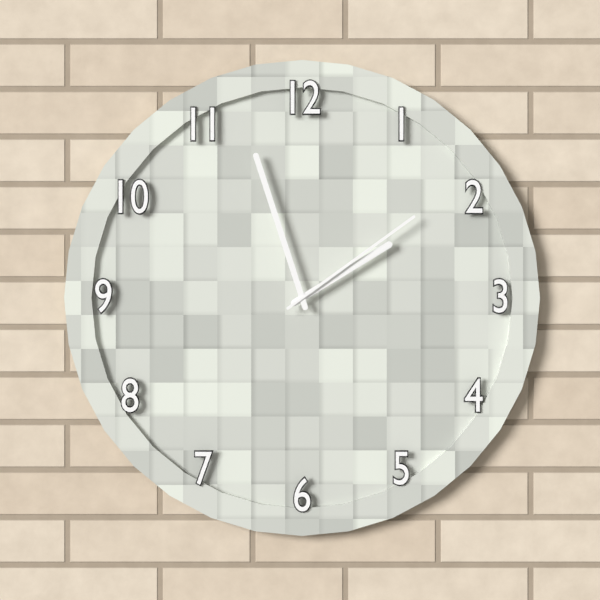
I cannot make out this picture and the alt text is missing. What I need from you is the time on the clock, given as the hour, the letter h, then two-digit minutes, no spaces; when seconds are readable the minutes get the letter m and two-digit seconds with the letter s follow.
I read 1h57m09s
